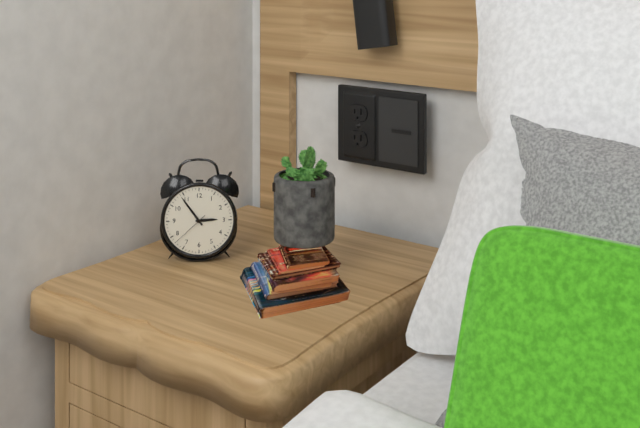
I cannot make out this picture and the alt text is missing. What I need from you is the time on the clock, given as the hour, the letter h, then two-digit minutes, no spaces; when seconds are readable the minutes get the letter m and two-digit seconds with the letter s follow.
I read 2h54
